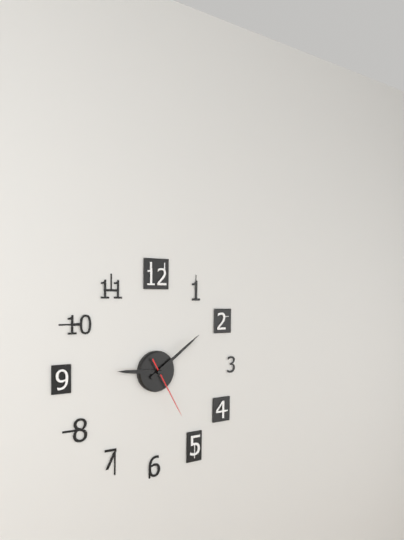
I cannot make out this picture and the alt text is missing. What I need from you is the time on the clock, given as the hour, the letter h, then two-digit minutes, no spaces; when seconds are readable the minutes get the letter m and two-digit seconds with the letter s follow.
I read 9h09m25s
